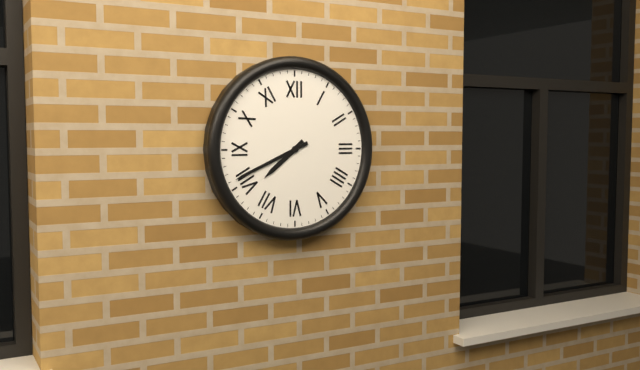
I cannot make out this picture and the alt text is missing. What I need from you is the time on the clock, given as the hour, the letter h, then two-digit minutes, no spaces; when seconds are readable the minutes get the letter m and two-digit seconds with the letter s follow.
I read 7h41
